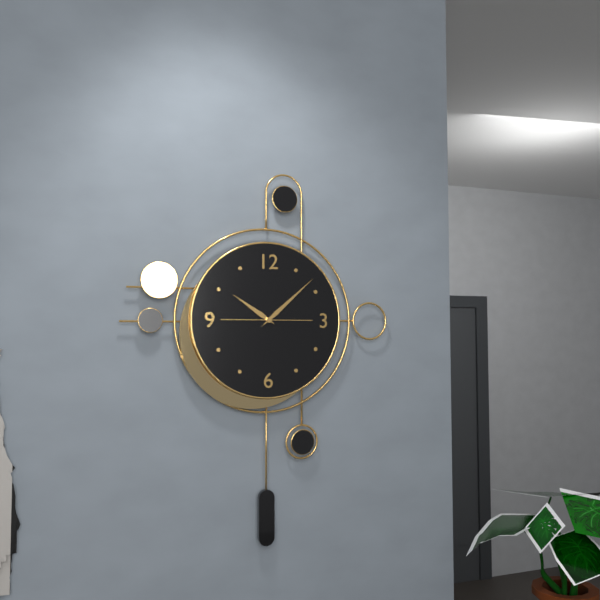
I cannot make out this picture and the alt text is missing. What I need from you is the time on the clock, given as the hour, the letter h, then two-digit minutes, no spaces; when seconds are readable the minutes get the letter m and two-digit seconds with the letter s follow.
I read 10h08m45s
